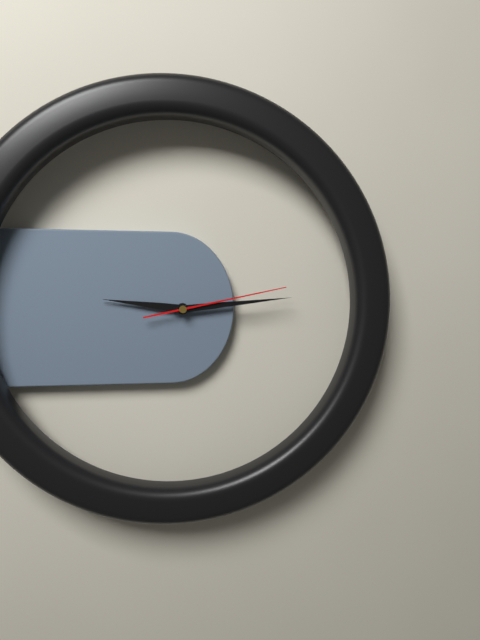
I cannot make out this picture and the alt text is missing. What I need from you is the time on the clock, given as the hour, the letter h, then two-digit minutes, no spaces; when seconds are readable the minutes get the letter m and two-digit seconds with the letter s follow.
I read 9h14m13s
